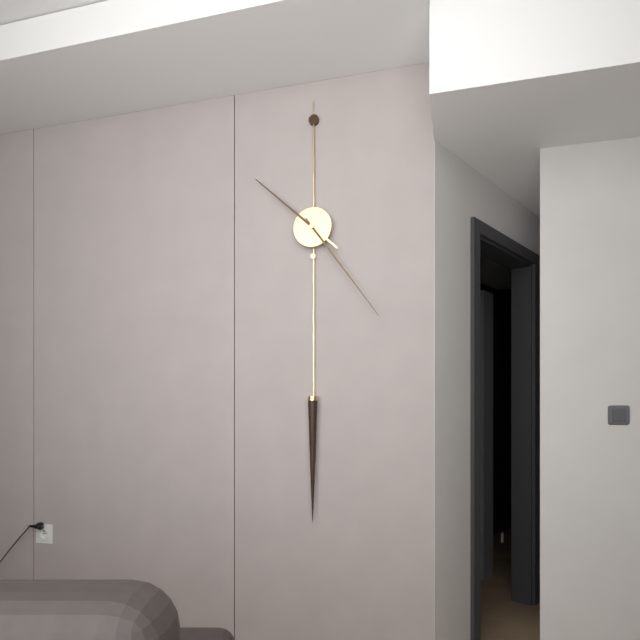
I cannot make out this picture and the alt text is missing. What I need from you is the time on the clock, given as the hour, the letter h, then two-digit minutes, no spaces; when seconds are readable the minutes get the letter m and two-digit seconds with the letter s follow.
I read 10h24
